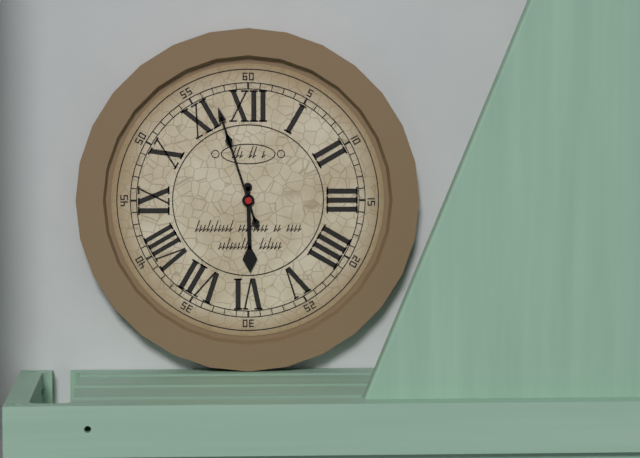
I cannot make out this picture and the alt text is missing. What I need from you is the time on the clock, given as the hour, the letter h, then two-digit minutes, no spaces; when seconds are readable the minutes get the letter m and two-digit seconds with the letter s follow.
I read 5h57
